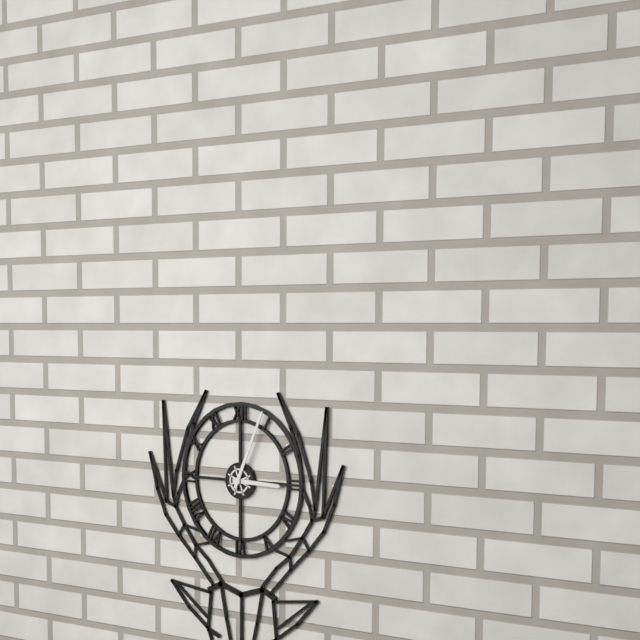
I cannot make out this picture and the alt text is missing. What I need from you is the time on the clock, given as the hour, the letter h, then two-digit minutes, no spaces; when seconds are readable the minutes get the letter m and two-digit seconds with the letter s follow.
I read 3h04
